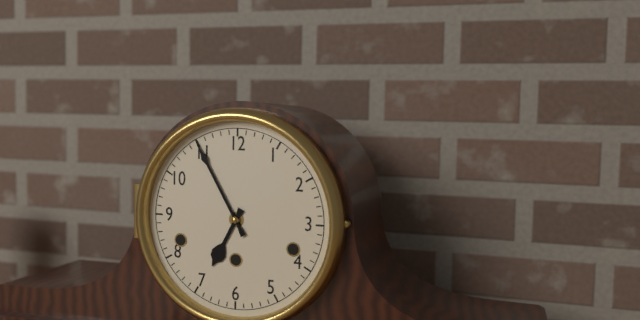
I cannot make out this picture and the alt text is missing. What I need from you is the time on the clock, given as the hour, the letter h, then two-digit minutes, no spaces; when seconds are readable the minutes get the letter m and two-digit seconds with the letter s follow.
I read 6h55
